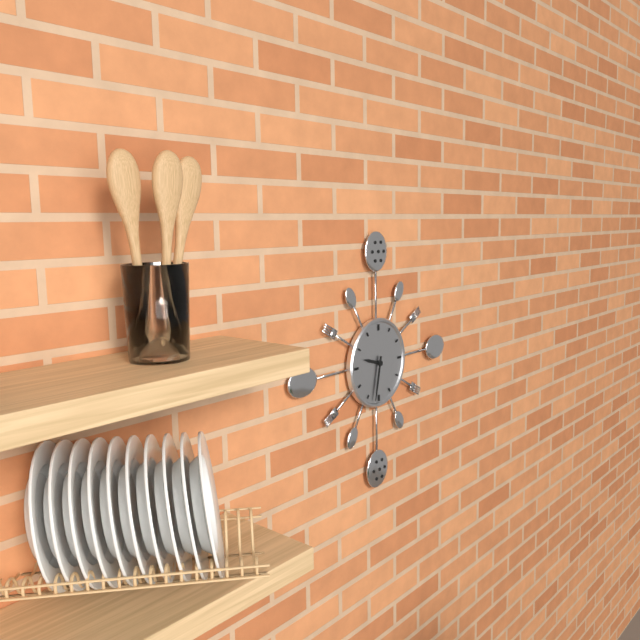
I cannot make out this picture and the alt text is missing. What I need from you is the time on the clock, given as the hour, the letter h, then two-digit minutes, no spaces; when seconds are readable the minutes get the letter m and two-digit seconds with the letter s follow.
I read 9h32
